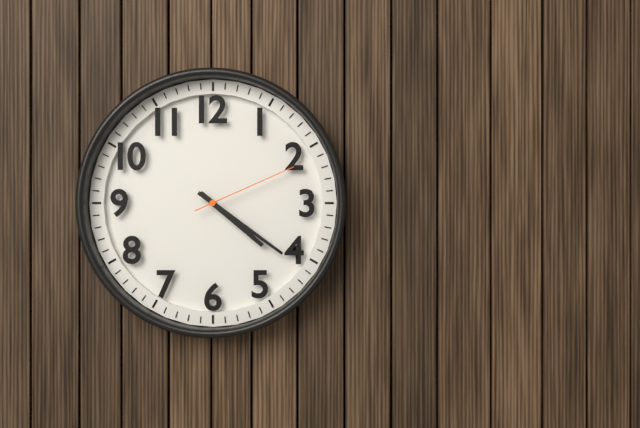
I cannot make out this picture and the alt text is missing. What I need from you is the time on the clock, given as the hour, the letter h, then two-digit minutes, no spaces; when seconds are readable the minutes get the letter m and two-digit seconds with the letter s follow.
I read 4h21m11s
